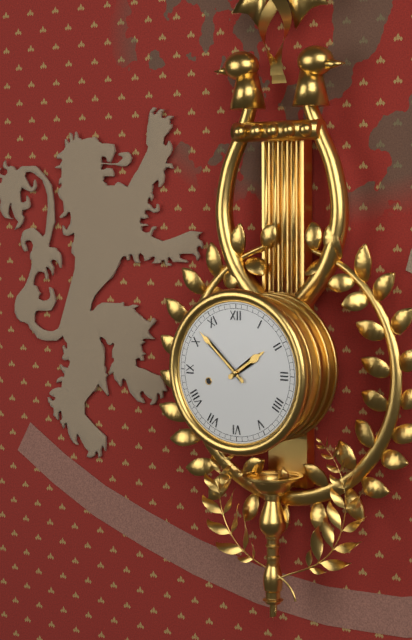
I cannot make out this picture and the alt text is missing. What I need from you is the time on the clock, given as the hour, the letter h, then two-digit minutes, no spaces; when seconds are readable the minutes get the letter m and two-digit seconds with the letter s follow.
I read 1h52
